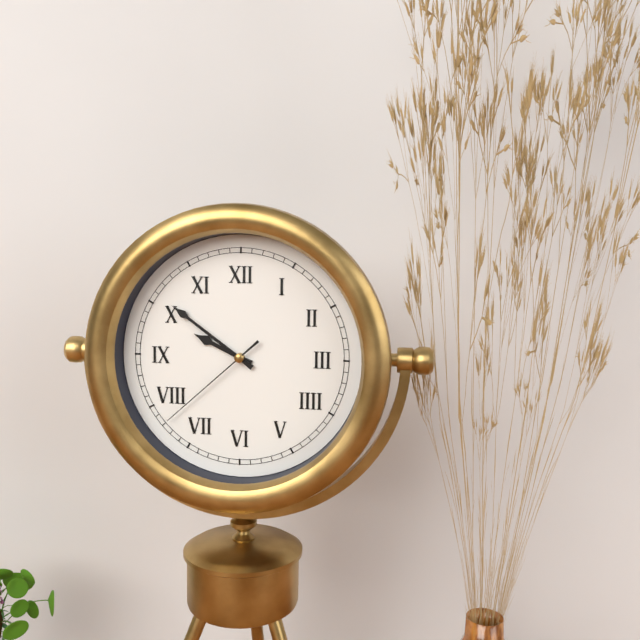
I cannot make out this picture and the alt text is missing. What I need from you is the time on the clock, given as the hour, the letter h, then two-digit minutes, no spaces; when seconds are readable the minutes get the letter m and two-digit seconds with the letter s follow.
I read 9h51m38s
